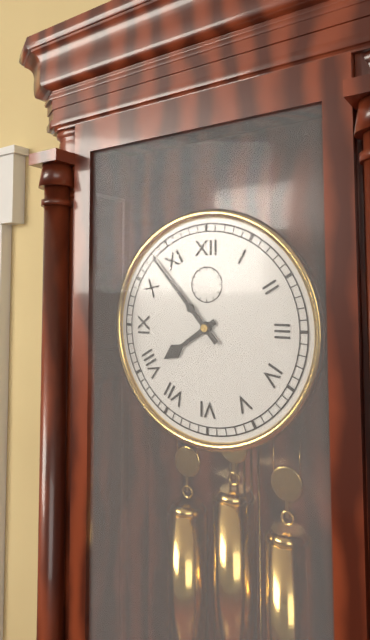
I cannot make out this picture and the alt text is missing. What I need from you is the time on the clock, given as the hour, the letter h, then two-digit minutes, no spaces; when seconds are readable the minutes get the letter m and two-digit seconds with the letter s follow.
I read 7h53
